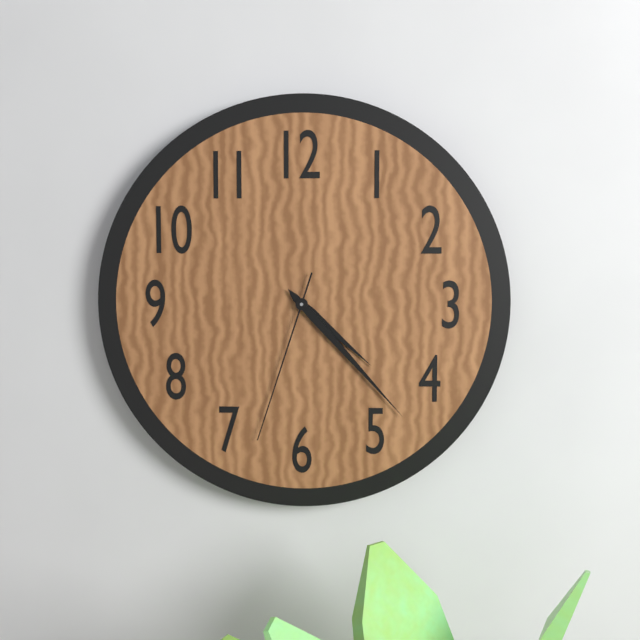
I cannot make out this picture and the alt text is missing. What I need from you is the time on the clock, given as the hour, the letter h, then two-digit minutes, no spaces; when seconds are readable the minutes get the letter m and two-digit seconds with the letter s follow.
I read 4h23m33s
